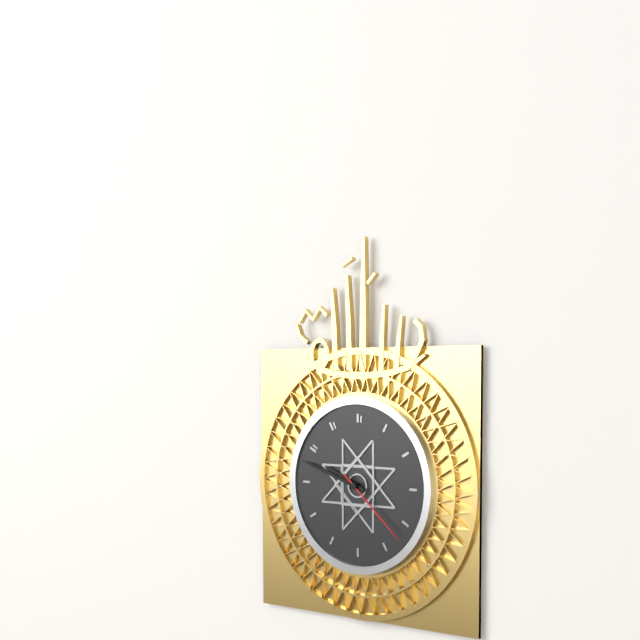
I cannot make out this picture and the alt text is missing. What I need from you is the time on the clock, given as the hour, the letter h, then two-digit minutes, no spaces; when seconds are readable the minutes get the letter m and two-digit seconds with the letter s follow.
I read 9h48m22s
